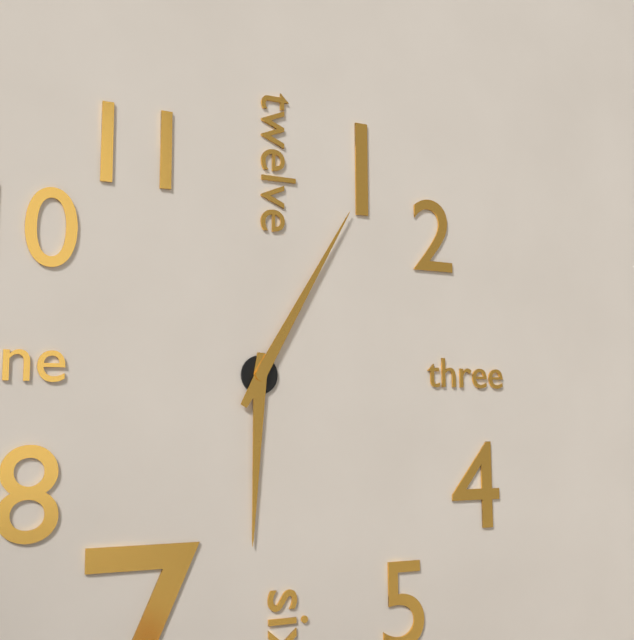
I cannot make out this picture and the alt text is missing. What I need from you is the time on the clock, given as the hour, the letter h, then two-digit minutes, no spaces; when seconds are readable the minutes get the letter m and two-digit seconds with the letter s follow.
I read 6h05
